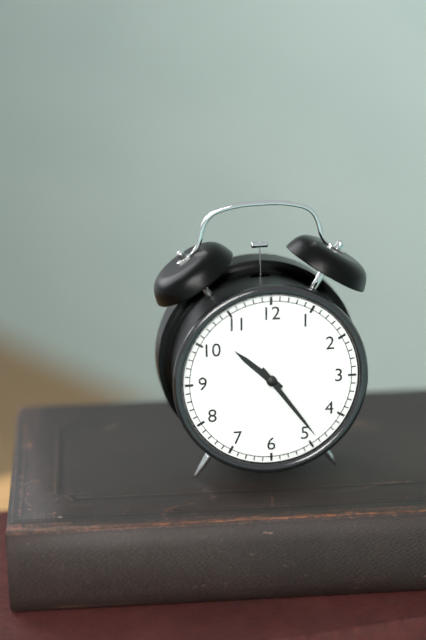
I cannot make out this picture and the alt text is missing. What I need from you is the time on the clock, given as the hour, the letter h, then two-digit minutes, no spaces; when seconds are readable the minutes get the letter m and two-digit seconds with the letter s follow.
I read 10h24
